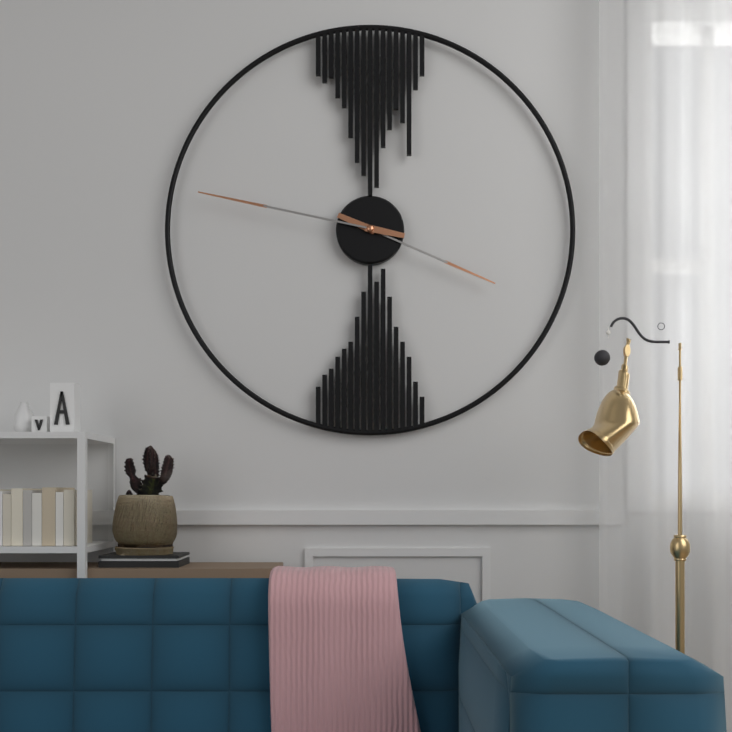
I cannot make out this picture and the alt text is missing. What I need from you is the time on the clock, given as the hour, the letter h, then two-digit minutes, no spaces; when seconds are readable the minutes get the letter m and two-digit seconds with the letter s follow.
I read 3h47
